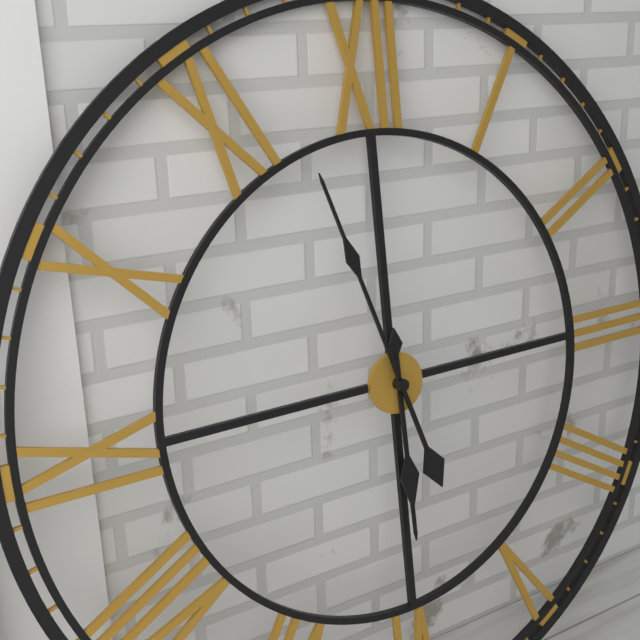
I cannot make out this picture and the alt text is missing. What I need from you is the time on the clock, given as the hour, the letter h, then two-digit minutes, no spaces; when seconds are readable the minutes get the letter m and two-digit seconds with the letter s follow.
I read 5h57
